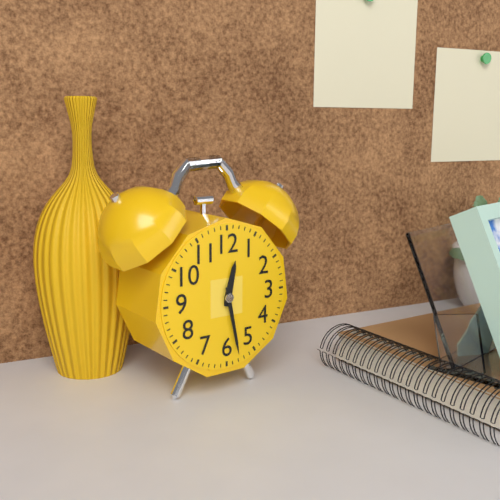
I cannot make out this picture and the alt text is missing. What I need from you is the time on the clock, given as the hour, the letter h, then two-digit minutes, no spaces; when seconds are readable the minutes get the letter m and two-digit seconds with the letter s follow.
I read 12h28
